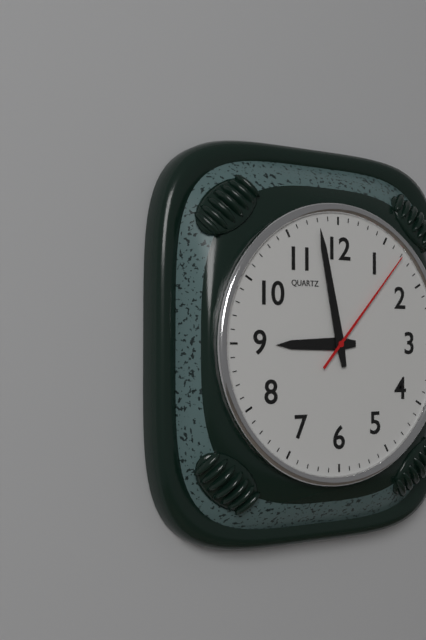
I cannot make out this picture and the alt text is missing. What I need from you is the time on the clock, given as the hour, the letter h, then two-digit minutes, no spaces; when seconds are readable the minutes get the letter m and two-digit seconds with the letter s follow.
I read 8h58m07s
